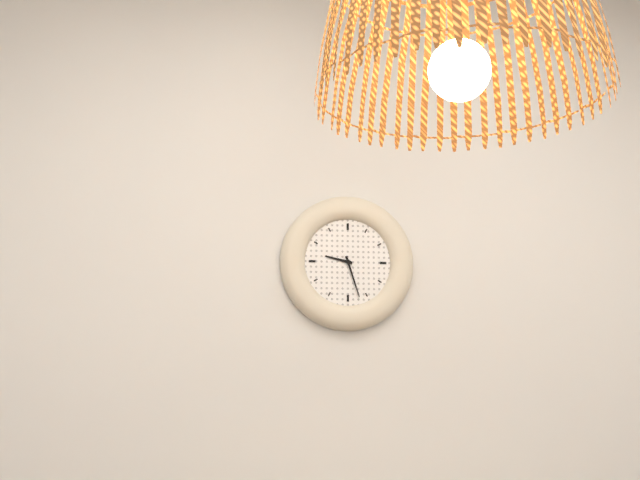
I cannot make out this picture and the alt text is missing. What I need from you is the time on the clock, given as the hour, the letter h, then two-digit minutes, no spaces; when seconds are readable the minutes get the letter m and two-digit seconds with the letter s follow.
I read 9h27
